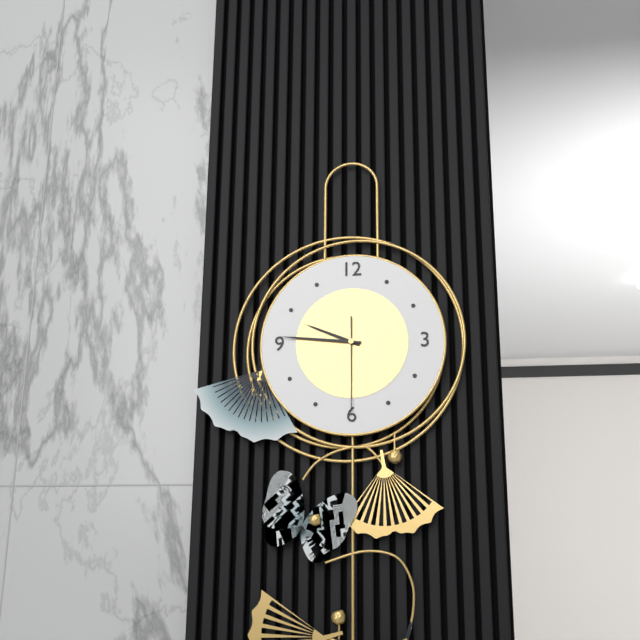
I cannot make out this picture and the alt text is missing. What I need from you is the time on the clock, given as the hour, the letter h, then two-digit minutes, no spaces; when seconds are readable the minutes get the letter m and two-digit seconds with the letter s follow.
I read 9h46m30s
